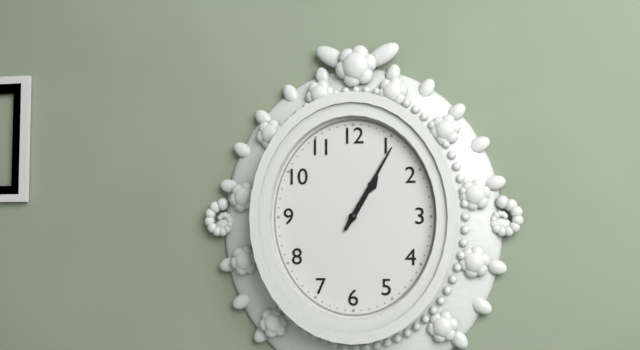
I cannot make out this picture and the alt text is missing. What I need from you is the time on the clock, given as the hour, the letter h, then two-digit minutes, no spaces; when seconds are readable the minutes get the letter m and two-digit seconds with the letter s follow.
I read 1h05
